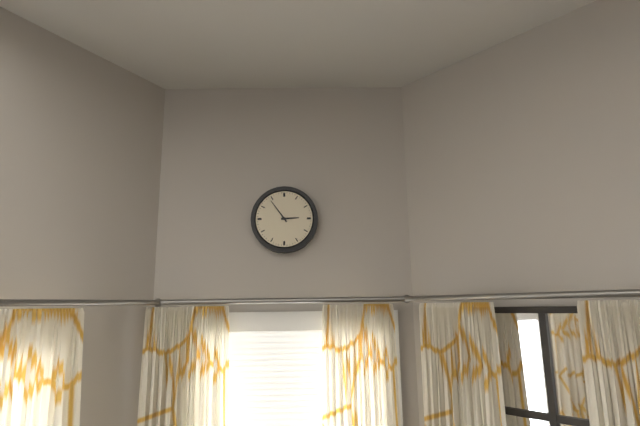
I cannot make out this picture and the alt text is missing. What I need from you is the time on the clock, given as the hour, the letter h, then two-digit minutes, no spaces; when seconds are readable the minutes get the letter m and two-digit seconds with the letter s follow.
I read 2h54
